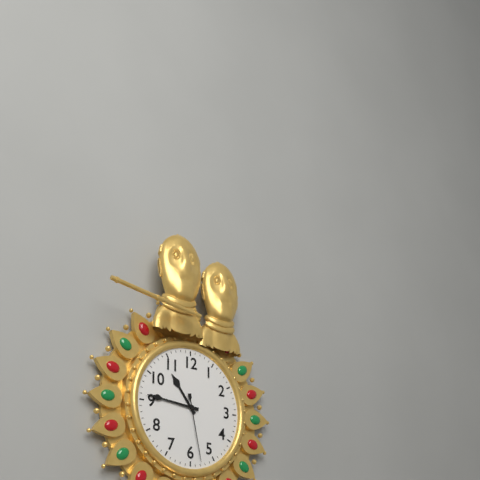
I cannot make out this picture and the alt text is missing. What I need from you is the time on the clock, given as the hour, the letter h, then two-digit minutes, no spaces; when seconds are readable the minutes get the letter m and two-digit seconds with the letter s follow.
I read 10h46m28s
